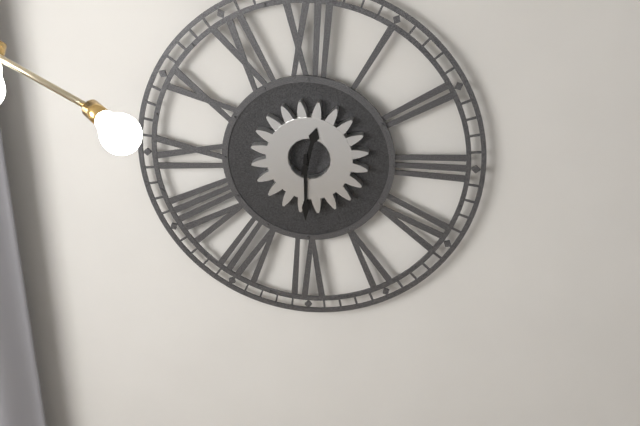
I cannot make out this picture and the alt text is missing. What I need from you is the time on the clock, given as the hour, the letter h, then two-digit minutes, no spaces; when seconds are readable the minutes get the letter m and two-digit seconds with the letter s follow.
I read 12h30
